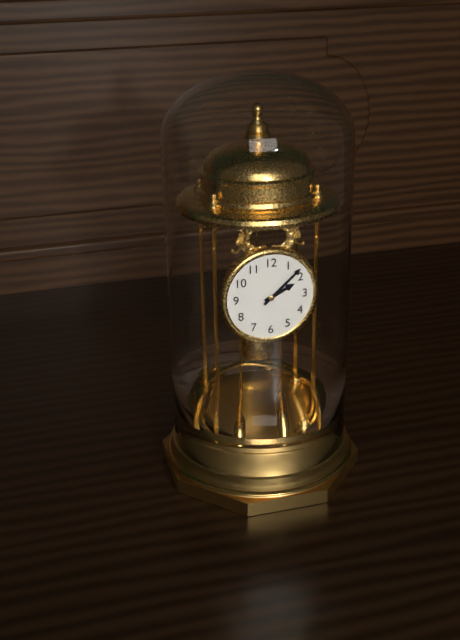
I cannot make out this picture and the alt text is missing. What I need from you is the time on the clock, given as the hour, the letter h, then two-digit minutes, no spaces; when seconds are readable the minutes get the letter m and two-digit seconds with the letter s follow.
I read 2h08
